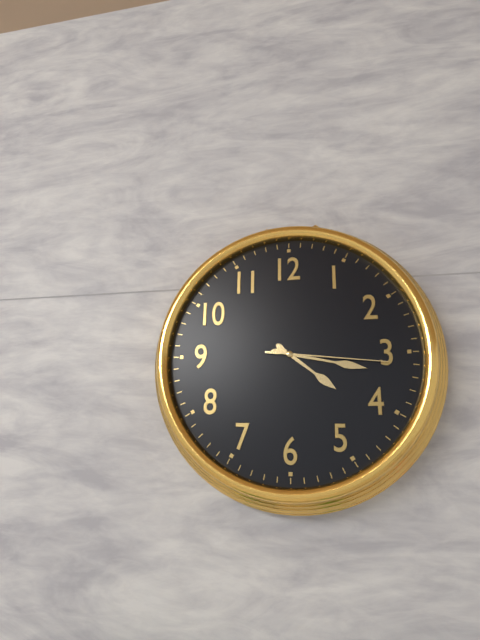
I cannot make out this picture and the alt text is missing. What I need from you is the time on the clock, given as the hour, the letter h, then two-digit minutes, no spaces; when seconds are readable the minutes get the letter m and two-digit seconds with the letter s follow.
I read 4h17m16s
